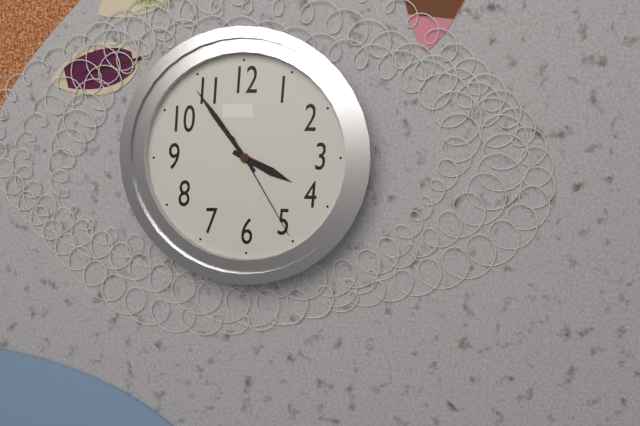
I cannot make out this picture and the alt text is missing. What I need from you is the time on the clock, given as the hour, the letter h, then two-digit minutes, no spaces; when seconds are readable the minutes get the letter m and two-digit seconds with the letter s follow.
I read 3h54m25s
